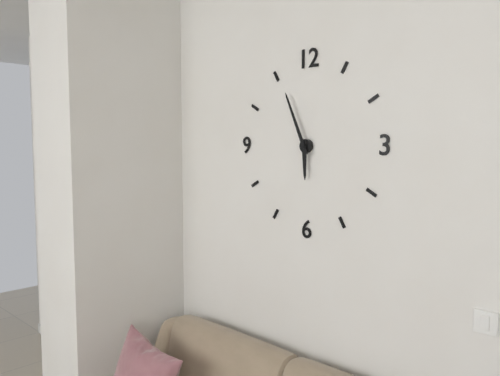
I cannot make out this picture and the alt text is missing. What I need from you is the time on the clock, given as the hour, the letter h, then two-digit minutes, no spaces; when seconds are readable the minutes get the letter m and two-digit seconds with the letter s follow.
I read 5h56
